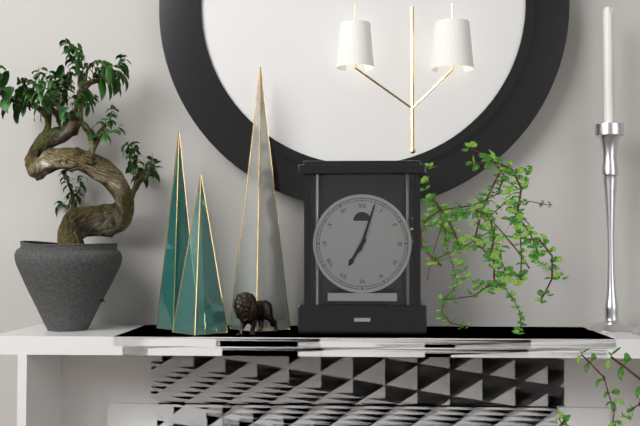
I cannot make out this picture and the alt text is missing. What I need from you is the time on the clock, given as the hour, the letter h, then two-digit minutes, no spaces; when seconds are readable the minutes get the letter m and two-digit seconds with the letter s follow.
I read 7h03
